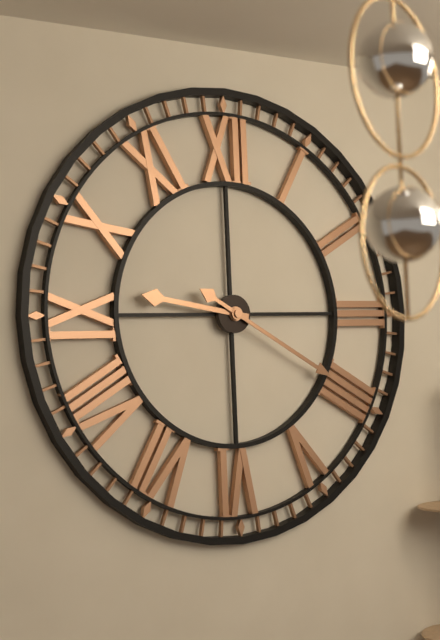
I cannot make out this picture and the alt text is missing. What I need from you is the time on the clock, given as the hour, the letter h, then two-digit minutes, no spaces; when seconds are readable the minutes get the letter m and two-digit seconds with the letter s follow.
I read 9h20
